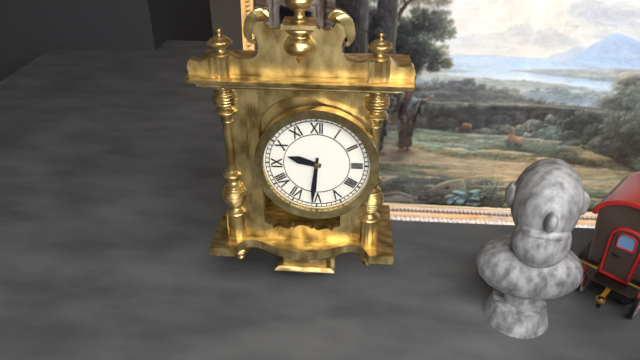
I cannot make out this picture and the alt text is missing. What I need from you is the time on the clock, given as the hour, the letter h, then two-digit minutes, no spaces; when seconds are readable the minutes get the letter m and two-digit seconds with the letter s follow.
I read 9h31
